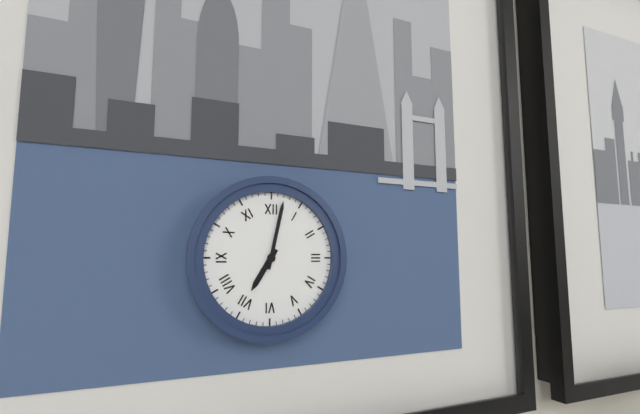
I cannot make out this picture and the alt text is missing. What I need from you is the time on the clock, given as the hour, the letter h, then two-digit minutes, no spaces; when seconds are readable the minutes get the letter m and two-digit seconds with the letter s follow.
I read 7h02
